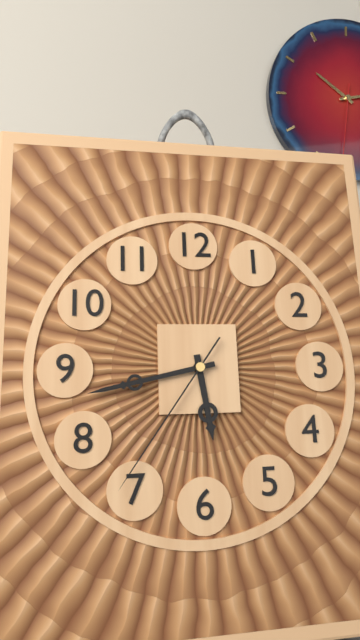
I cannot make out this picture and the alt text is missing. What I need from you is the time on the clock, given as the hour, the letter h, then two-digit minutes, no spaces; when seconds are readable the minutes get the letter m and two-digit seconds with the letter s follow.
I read 5h43m36s
